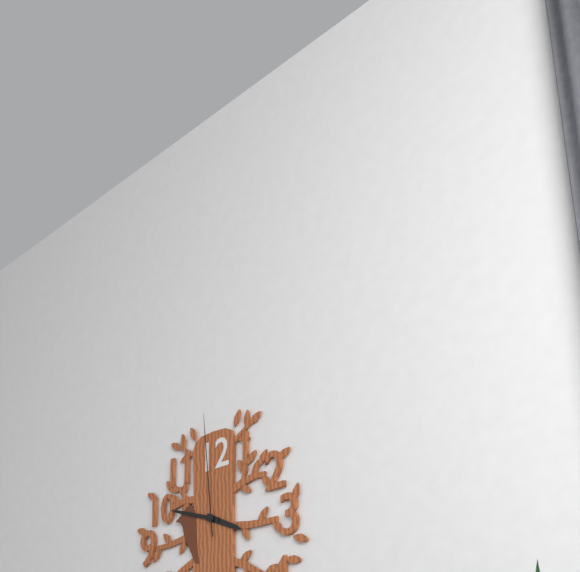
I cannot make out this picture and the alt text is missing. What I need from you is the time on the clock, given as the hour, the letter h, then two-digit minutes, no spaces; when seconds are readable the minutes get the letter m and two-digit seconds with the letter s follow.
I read 3h48m59s
